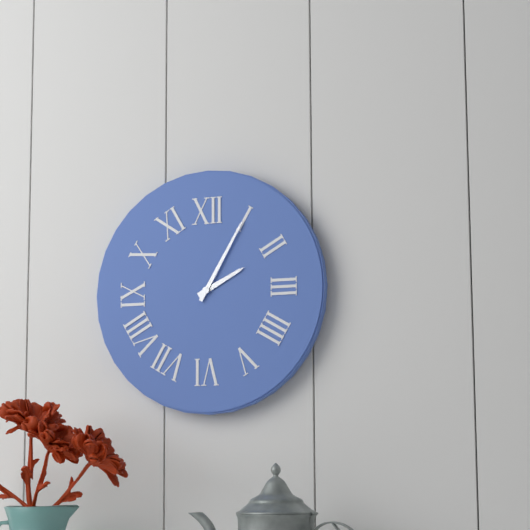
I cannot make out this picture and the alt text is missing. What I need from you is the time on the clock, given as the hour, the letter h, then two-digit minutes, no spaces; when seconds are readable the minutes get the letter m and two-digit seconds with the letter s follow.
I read 2h05
